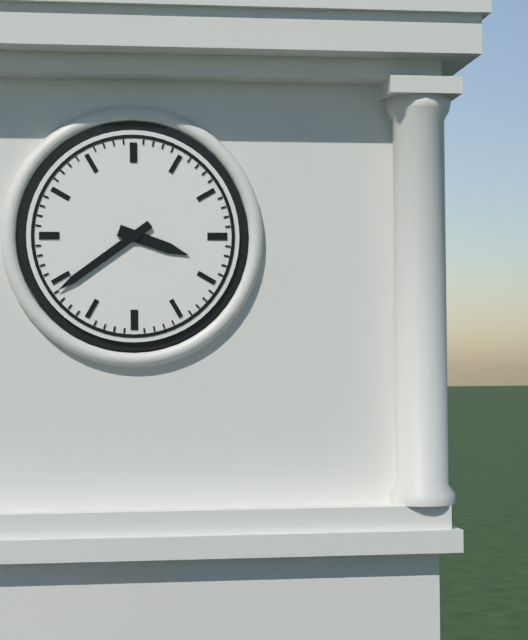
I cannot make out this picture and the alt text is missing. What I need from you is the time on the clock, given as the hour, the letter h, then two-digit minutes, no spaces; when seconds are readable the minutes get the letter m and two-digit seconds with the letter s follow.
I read 3h39
